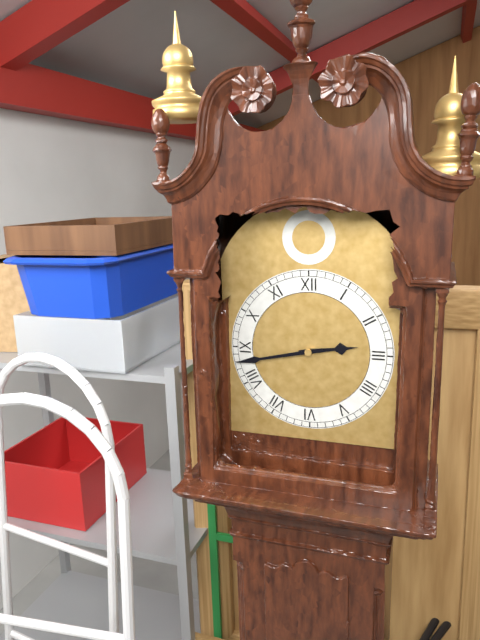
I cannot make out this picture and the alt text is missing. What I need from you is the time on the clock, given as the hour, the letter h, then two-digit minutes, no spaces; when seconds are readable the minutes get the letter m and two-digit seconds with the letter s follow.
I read 2h43
